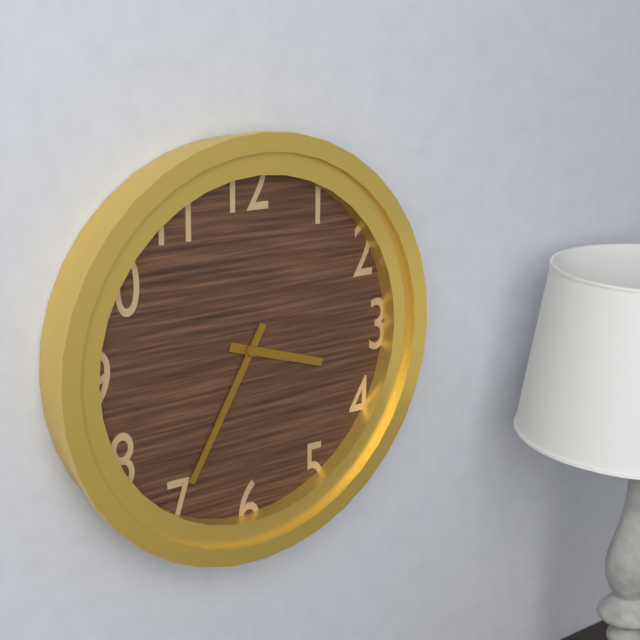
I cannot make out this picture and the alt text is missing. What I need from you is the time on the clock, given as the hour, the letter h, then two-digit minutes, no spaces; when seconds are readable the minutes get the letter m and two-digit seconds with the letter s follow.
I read 3h35
